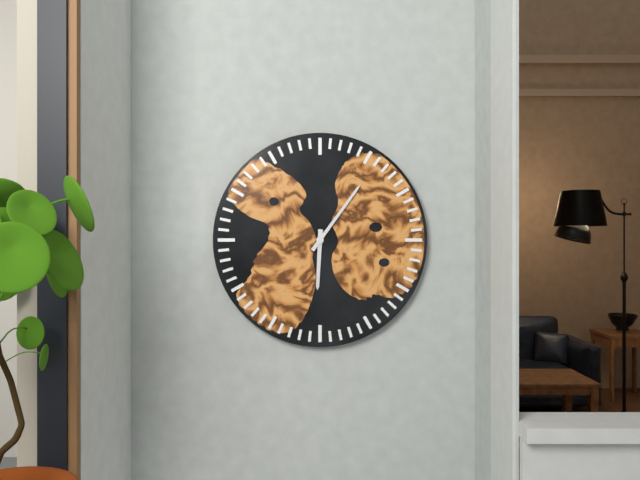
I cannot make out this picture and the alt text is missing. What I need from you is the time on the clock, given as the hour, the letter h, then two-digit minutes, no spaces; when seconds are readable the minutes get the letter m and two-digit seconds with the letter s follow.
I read 6h06
